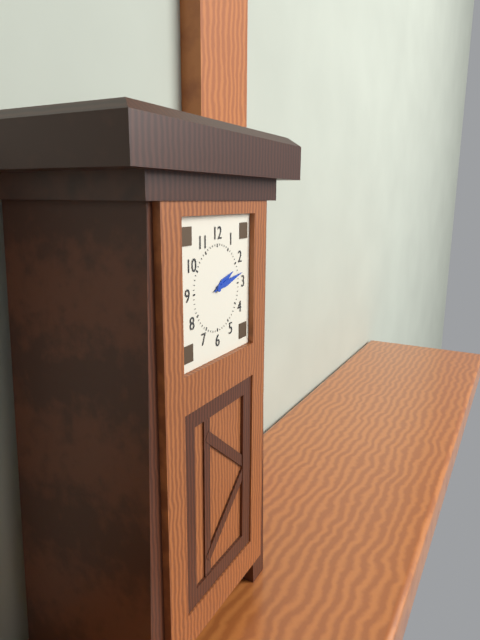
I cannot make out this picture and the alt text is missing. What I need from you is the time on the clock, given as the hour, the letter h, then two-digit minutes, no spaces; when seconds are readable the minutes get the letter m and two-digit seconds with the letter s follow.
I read 2h13
